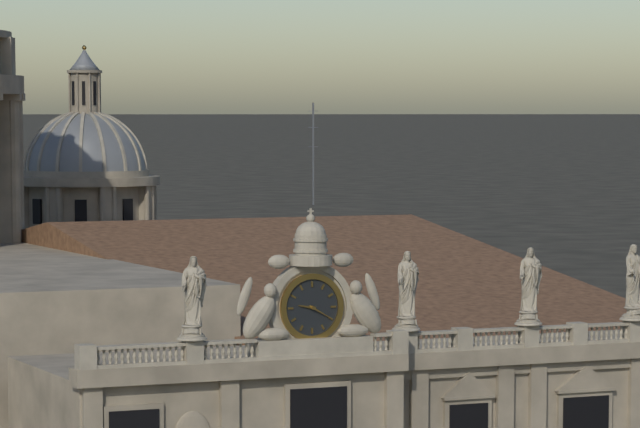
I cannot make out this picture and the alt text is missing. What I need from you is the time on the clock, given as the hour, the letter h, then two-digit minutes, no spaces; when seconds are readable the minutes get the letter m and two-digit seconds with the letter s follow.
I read 9h20
